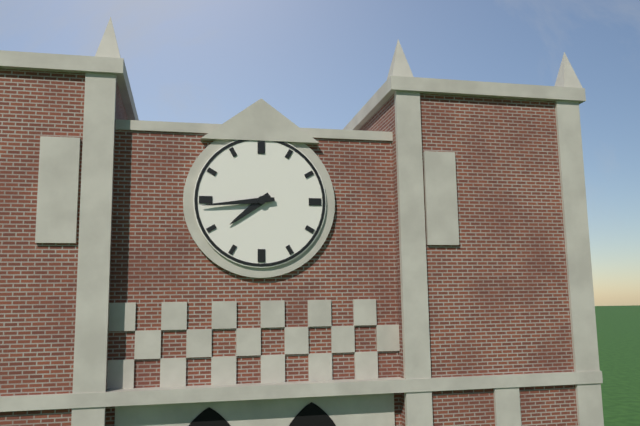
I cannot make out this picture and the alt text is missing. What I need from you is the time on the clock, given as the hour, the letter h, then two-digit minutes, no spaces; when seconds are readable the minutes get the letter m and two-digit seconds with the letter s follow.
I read 7h44
